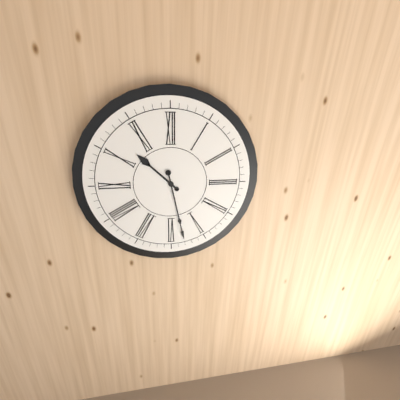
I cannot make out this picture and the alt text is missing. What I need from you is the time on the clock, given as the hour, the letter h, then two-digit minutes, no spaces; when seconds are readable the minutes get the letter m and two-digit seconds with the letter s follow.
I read 10h28
